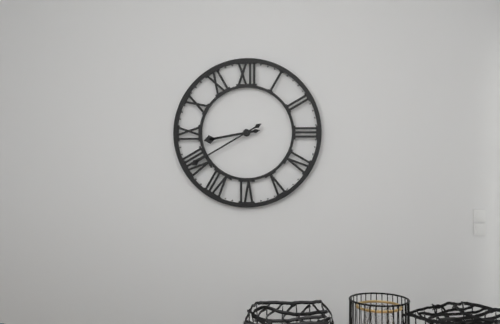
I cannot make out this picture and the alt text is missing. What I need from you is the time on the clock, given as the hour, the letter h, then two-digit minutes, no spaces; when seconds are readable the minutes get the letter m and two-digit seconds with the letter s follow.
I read 8h40
